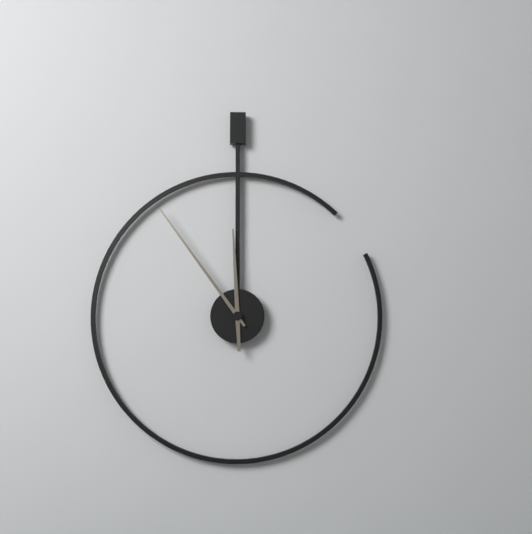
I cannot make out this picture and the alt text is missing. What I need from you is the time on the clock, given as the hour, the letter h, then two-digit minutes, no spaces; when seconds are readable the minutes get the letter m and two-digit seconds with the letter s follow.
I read 11h54
